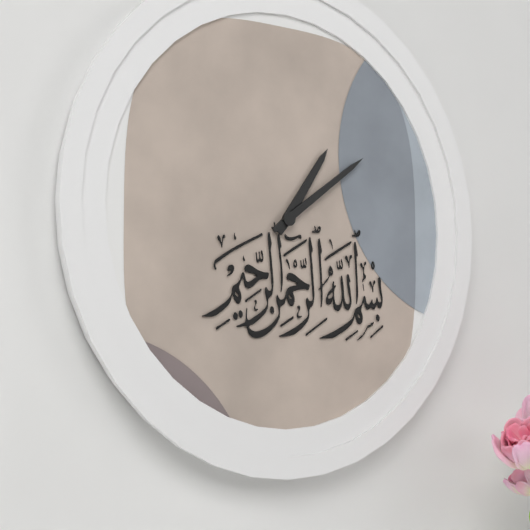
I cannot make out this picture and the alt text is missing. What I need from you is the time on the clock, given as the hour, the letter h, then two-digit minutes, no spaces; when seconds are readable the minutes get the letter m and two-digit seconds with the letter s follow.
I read 1h09
